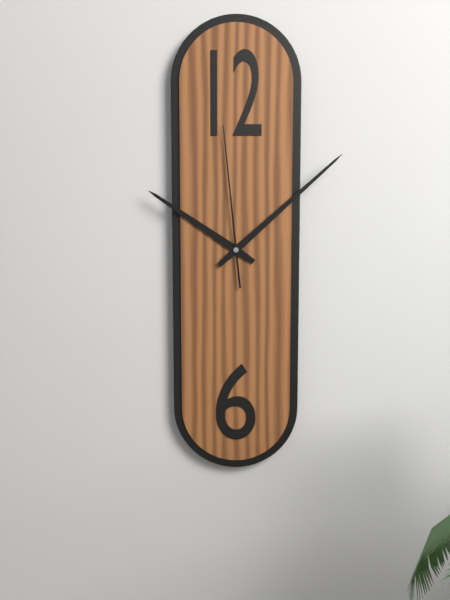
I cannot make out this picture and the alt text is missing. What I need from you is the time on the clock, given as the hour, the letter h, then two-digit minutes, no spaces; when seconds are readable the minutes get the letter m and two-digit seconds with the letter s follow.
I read 10h08m59s
